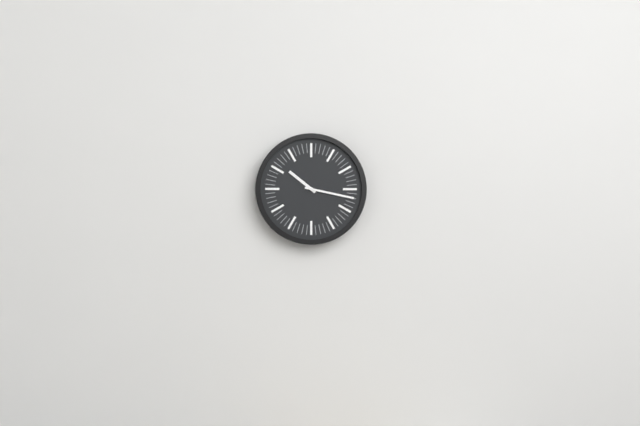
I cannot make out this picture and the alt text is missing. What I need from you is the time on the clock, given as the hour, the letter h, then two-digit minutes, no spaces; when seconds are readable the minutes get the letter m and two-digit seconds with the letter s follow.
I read 10h17
